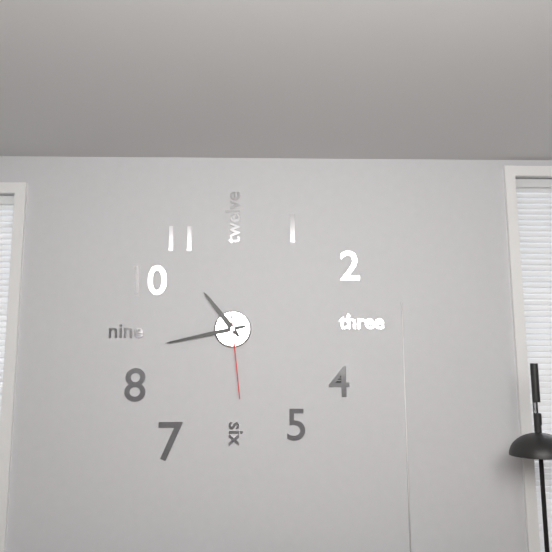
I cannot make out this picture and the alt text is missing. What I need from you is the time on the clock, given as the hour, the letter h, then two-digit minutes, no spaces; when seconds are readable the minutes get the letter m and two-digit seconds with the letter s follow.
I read 10h43m29s
